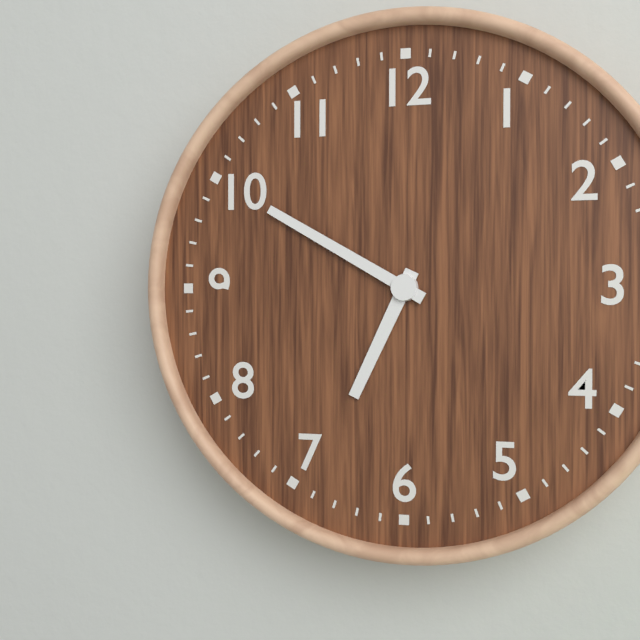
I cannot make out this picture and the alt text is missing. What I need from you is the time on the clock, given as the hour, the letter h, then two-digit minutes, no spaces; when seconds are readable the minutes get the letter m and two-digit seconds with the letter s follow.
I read 6h50
